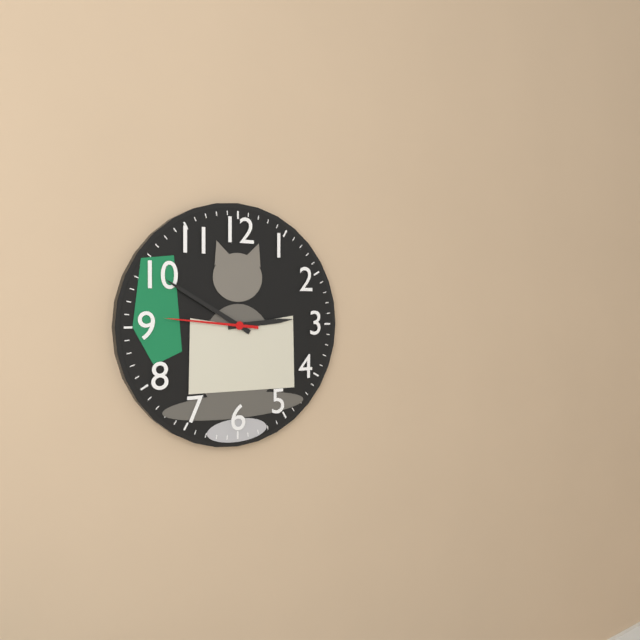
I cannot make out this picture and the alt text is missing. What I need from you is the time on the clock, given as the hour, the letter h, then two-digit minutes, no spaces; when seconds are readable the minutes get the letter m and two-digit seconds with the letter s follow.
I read 2h50m46s
